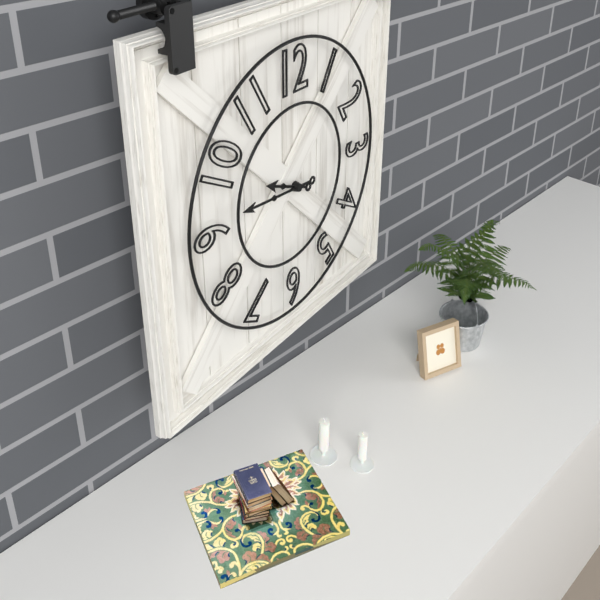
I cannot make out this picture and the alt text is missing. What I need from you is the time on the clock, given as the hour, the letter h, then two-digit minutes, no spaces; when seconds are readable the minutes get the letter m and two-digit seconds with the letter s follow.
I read 9h46
